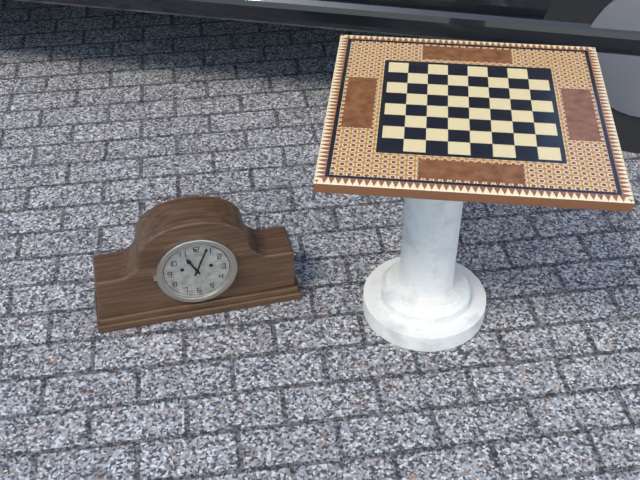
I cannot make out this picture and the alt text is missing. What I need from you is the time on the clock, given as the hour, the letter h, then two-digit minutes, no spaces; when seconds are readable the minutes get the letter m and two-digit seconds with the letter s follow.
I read 11h04
